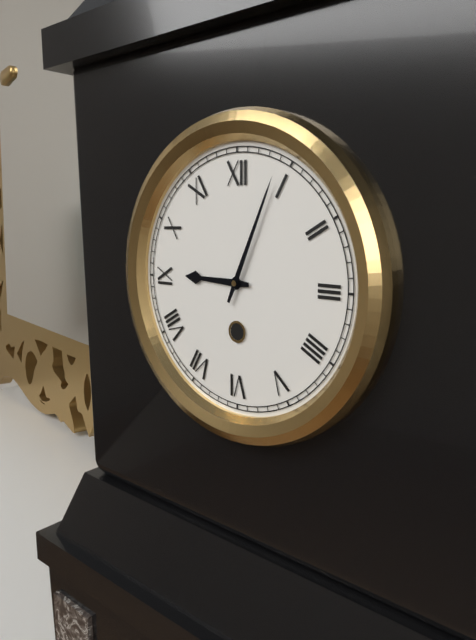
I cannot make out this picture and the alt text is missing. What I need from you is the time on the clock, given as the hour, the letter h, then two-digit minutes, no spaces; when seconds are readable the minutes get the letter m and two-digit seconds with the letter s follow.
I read 9h04
